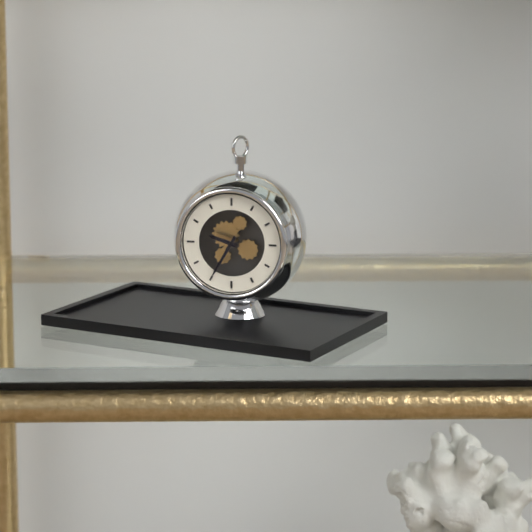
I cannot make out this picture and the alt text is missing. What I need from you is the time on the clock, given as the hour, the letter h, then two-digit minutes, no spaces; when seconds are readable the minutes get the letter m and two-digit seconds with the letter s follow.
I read 9h35
